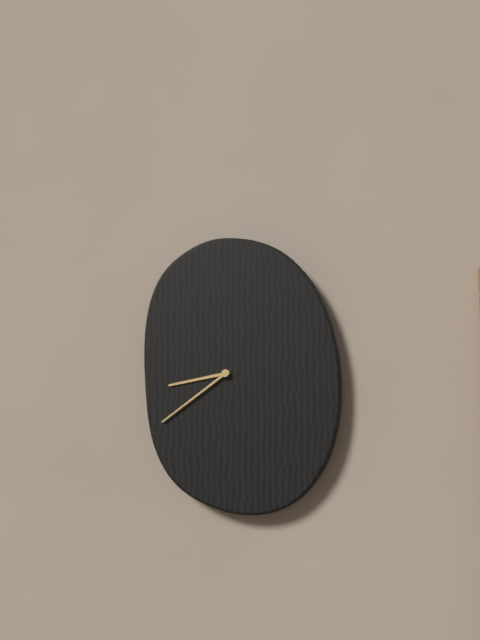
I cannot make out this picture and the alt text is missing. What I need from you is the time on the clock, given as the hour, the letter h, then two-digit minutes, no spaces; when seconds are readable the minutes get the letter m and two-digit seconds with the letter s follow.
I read 8h39
